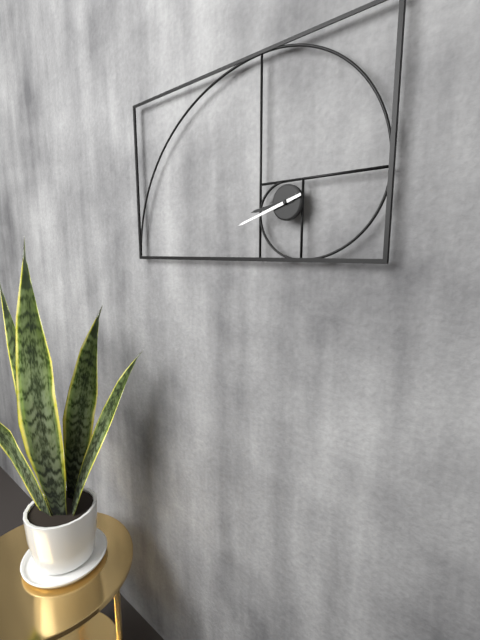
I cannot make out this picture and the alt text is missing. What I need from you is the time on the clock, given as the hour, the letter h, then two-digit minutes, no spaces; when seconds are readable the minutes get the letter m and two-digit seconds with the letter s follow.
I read 8h42
